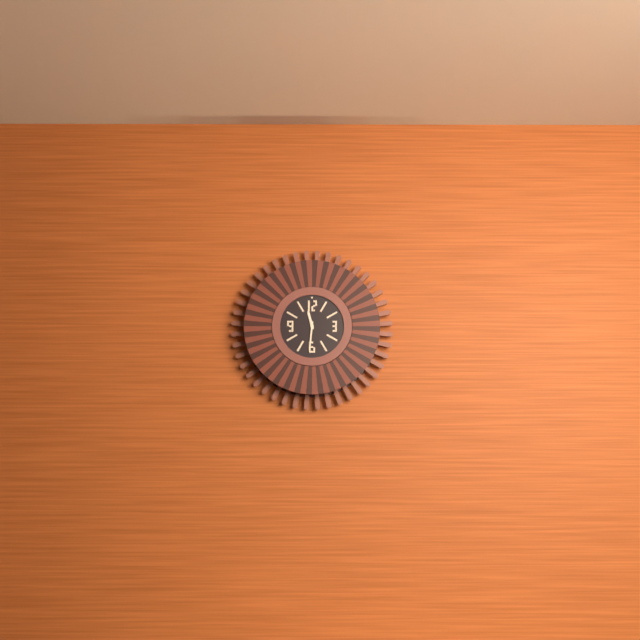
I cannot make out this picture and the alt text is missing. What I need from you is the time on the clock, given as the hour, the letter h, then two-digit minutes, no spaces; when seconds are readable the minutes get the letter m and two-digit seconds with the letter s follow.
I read 11h31
